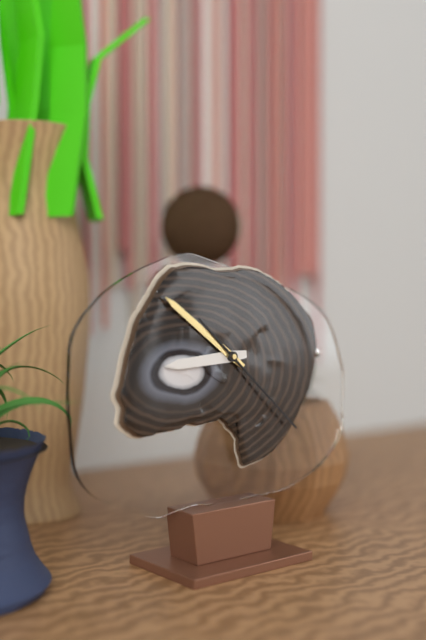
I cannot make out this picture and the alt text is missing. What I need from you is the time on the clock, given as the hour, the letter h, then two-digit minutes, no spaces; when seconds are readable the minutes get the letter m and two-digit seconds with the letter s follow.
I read 8h51m22s
